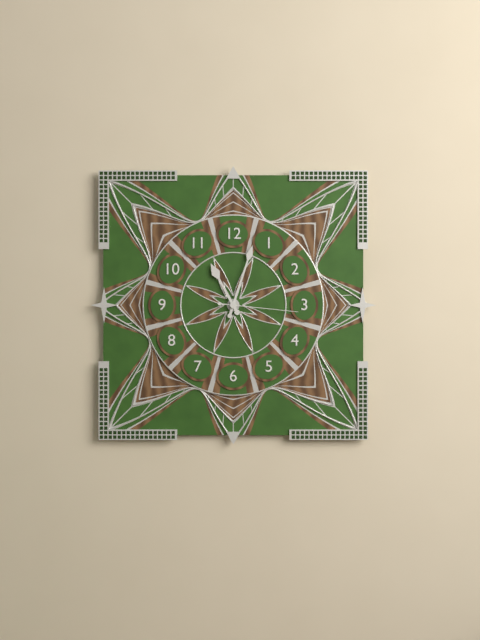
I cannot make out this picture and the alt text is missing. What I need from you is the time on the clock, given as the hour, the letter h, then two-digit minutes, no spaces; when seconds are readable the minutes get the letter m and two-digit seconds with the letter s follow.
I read 11h03m16s
